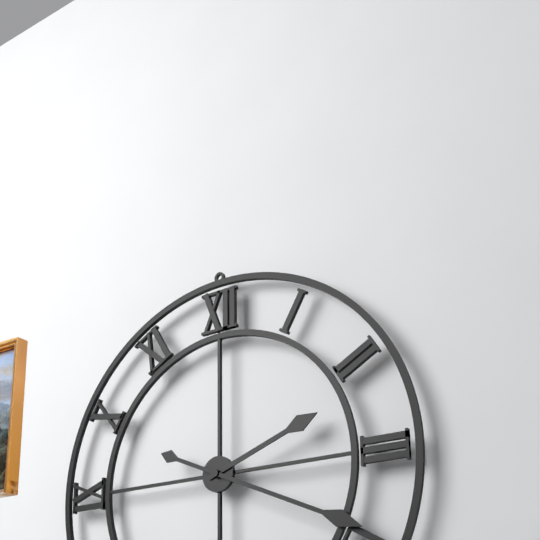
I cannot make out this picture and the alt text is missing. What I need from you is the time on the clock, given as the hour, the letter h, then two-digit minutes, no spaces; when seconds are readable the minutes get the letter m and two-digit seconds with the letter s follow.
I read 2h19
